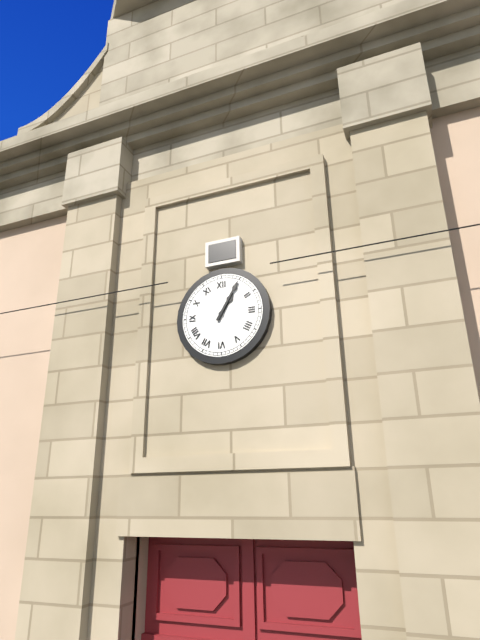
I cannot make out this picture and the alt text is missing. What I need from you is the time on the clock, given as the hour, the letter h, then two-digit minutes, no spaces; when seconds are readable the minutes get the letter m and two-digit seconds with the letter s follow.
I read 1h05
